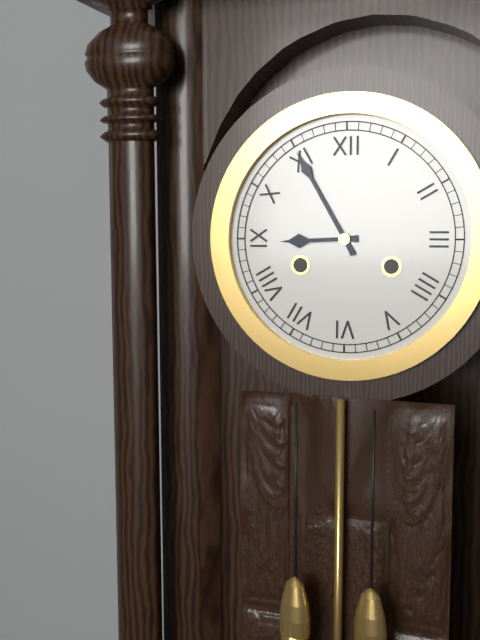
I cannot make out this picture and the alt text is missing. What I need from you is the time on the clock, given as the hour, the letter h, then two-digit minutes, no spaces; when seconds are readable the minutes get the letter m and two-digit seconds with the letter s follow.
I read 8h55
